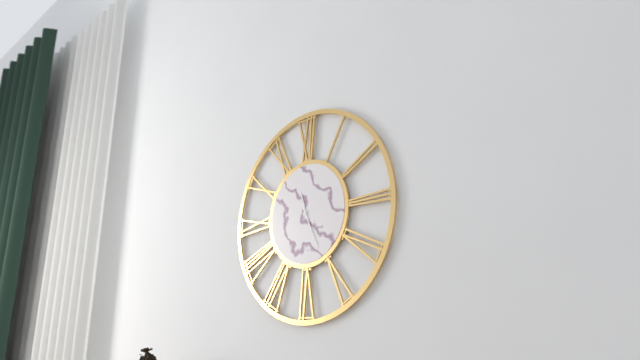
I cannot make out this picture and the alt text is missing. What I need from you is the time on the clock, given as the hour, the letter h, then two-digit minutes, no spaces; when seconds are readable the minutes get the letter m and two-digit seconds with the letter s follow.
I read 11h26
